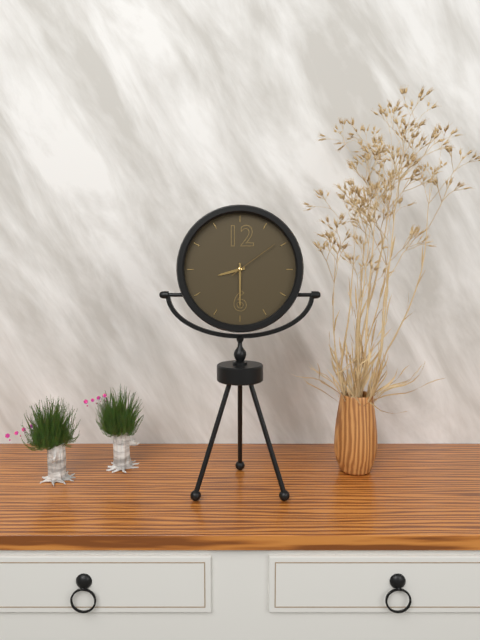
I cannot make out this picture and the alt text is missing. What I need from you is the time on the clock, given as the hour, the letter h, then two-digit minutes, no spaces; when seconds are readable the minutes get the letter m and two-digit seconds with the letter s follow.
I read 8h30m09s
